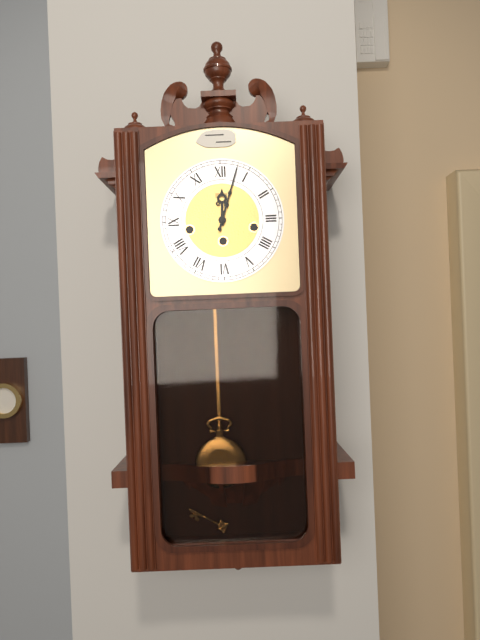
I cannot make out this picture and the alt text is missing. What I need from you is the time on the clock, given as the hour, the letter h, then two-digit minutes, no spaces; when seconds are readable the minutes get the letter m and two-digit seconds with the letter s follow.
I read 12h03
